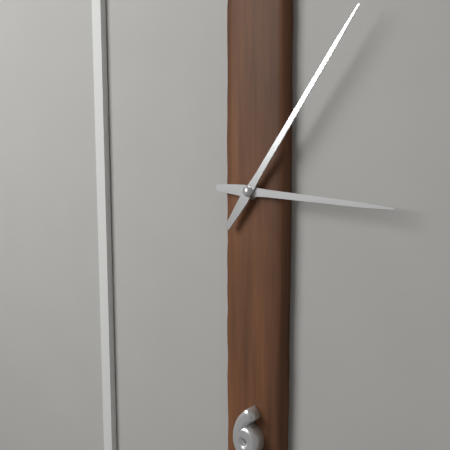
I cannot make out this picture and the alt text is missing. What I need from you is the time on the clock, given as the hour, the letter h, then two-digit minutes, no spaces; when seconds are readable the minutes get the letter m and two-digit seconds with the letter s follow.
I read 3h06
